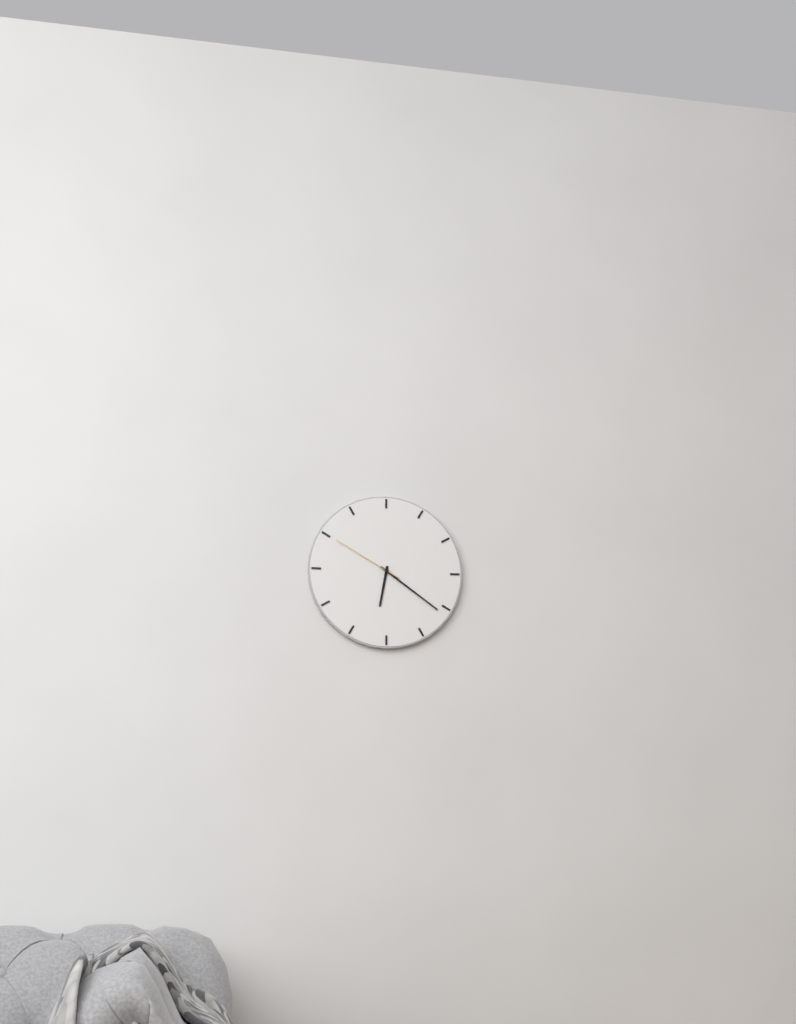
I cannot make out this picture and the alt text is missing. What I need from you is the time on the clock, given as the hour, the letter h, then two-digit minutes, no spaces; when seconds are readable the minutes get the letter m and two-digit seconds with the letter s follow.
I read 6h21m50s
